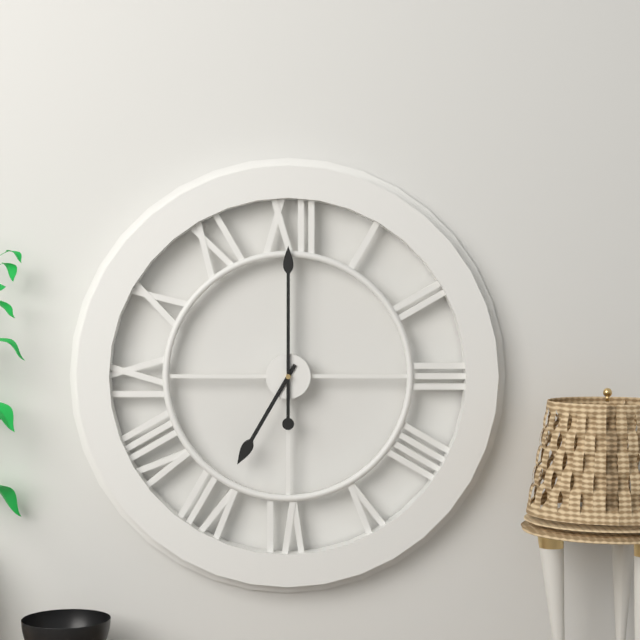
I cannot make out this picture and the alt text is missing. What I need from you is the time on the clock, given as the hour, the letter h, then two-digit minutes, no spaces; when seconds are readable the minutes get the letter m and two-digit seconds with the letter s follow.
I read 7h00
